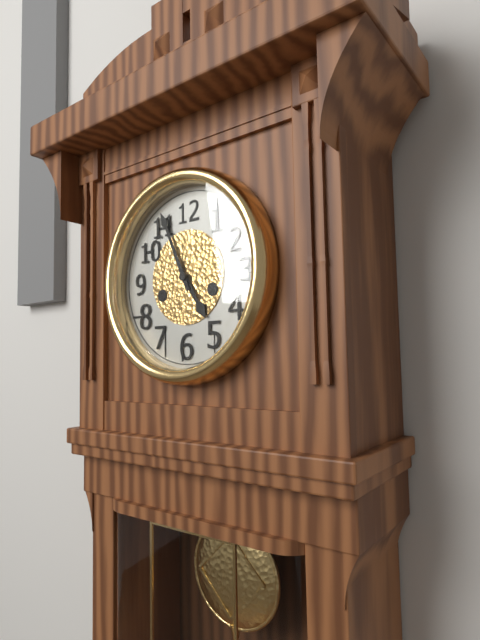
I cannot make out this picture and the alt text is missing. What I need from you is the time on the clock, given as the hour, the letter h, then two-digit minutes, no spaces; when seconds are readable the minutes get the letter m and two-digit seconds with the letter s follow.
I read 4h56
